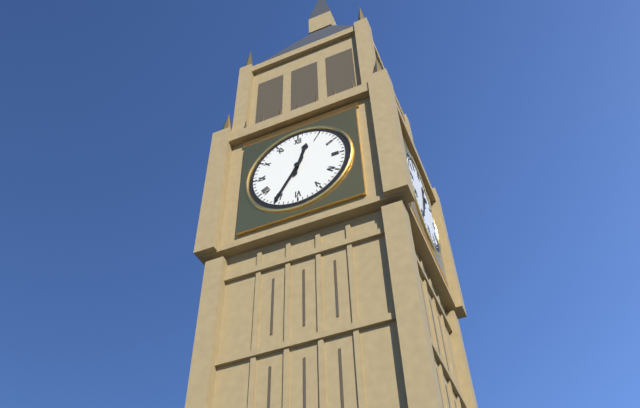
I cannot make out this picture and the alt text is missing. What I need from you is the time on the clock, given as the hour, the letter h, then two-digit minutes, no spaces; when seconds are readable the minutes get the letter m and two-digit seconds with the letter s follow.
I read 12h35
